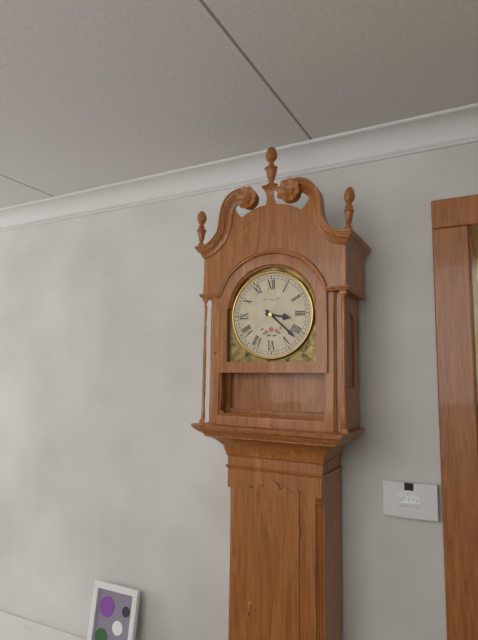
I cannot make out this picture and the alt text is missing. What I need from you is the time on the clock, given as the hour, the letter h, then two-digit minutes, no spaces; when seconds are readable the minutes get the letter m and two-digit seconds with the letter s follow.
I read 3h22
